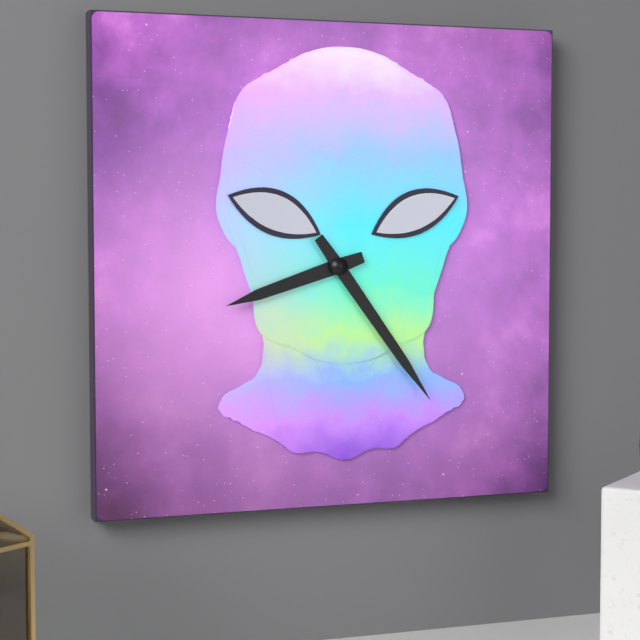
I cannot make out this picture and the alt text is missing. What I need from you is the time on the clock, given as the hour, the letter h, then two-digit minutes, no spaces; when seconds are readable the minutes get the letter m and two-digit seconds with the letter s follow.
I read 8h24
